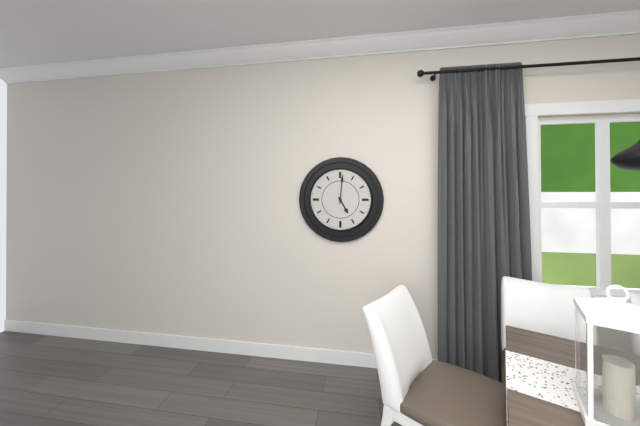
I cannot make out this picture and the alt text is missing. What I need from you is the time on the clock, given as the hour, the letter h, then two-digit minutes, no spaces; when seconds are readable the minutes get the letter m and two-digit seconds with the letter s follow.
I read 5h01
